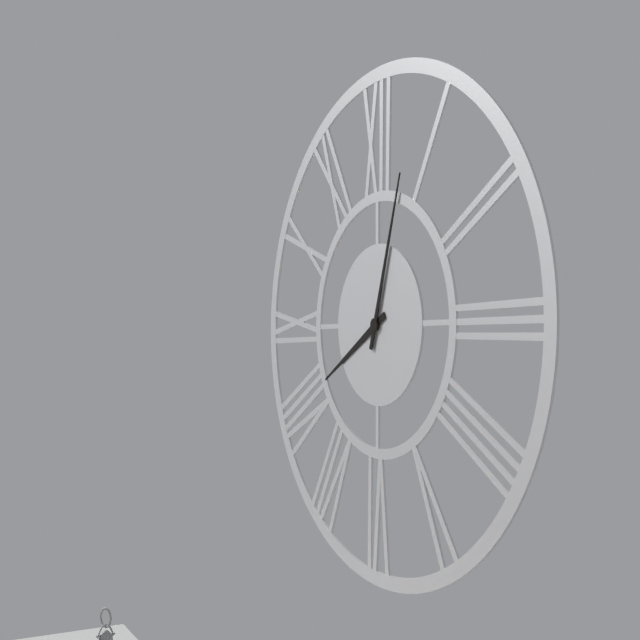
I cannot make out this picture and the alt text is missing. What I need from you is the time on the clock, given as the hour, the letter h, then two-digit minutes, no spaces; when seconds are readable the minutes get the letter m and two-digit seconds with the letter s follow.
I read 8h03
